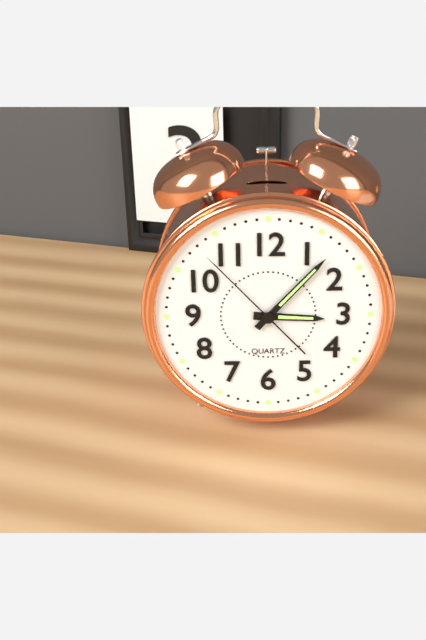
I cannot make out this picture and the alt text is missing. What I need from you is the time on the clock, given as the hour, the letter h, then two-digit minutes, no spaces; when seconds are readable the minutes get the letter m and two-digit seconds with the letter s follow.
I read 3h07m53s
